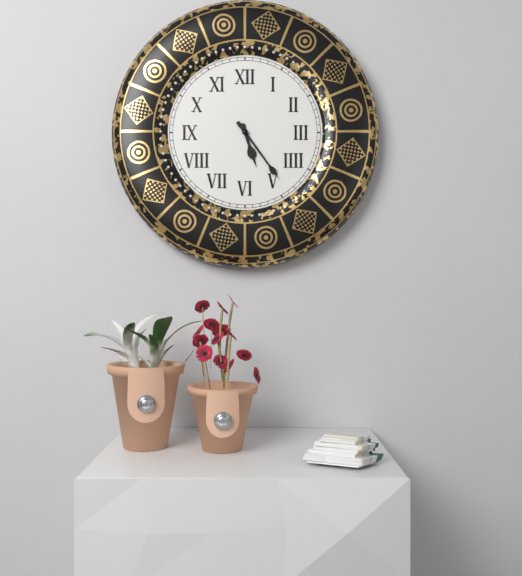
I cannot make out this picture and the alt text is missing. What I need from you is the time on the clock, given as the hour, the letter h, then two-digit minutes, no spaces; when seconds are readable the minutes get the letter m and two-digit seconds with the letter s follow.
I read 5h24
